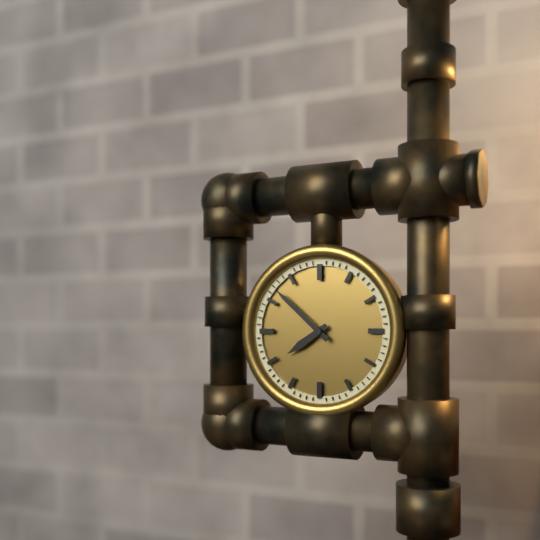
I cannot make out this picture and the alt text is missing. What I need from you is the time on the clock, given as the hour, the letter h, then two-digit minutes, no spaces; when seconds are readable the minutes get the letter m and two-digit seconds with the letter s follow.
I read 7h52
